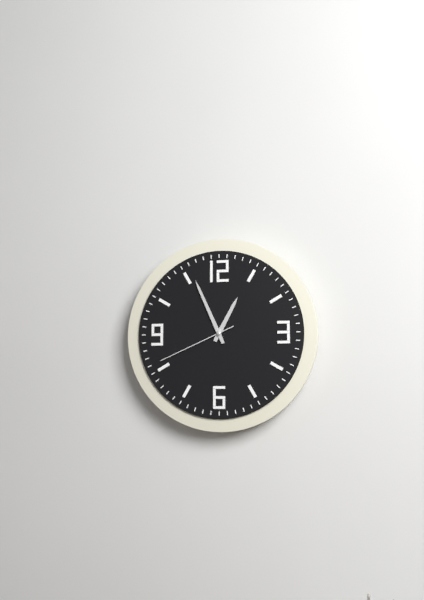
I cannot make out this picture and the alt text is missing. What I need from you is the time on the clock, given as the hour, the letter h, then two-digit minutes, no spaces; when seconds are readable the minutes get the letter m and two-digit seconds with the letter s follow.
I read 12h56m41s
